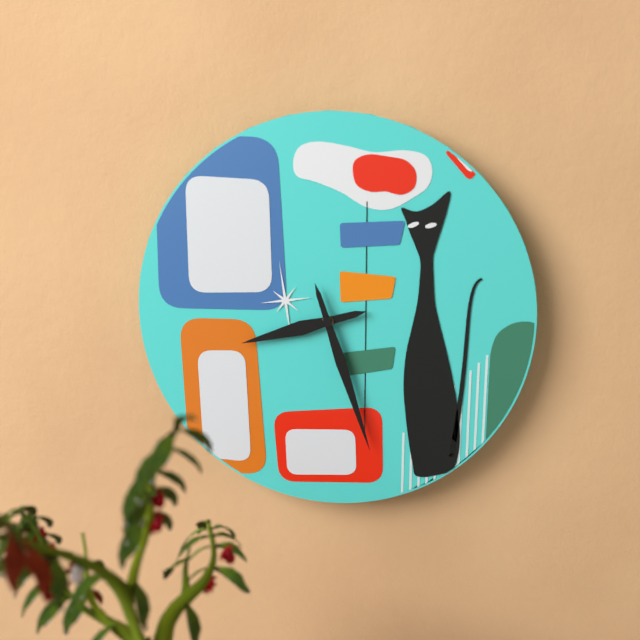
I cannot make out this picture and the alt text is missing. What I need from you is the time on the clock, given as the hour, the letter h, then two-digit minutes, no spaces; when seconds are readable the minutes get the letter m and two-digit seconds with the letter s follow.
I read 8h27
